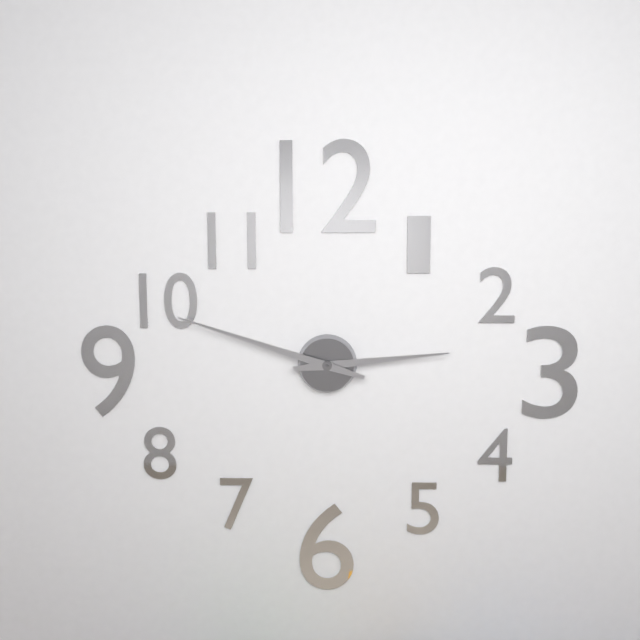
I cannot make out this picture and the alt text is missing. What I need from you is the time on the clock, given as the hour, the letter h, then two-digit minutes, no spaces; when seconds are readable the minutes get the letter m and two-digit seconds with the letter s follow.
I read 2h48
